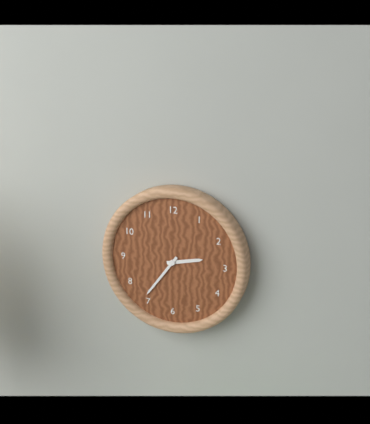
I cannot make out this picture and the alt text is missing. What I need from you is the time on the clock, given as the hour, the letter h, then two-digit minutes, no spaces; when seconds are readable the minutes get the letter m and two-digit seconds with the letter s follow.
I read 2h36
